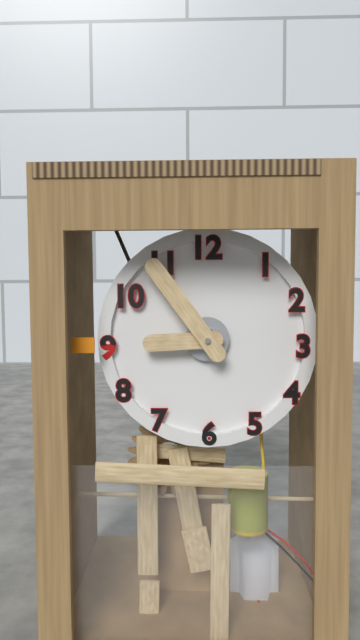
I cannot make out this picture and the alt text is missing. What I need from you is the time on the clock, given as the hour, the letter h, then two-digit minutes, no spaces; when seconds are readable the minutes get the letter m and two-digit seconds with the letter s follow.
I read 8h54
